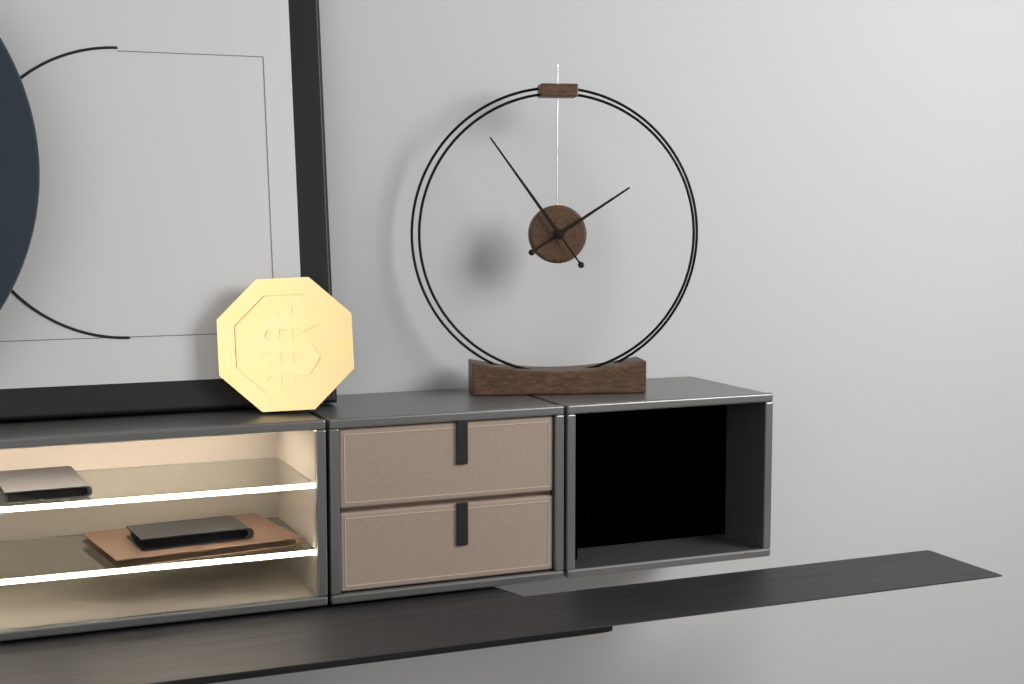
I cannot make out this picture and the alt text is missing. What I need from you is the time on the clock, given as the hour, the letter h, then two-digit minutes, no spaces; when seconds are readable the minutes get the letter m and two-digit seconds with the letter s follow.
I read 1h54
